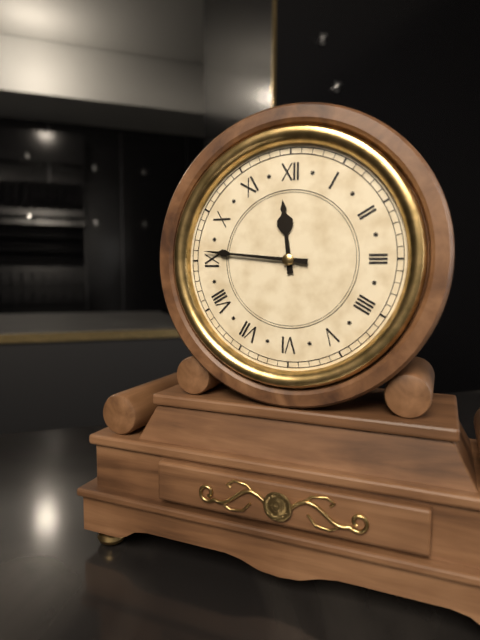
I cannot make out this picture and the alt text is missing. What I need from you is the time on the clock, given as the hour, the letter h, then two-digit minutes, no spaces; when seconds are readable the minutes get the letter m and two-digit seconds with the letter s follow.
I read 11h46
